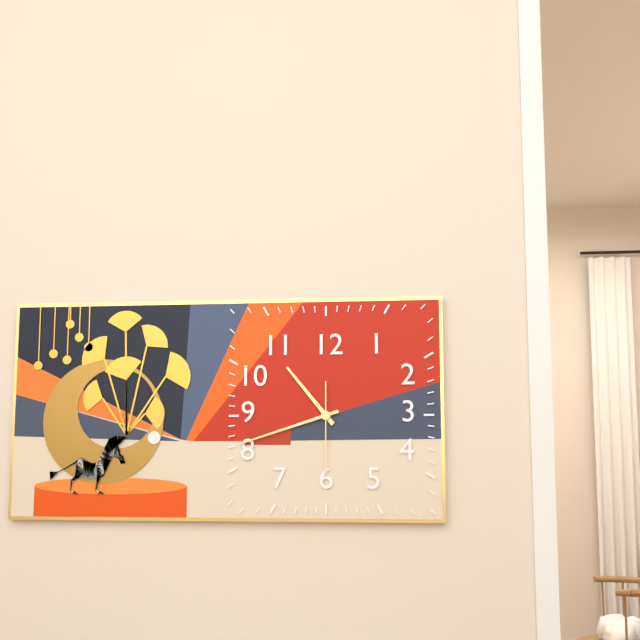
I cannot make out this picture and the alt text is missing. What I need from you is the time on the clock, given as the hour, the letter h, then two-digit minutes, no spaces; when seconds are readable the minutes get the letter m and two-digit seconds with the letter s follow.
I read 10h42m30s
